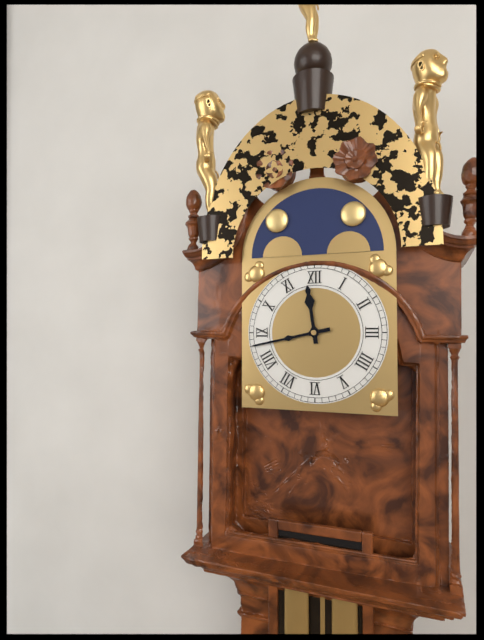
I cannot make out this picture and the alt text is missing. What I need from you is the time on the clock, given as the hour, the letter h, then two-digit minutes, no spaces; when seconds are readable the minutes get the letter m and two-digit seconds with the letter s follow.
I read 11h43
